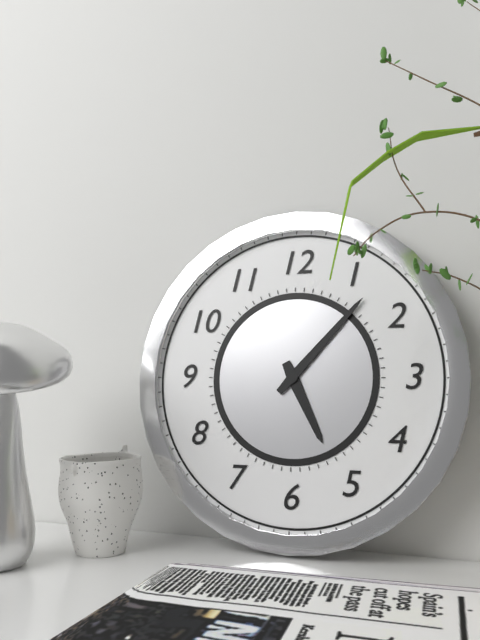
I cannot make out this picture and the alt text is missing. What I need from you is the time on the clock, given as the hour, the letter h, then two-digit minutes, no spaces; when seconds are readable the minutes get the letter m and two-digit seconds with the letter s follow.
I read 5h07
